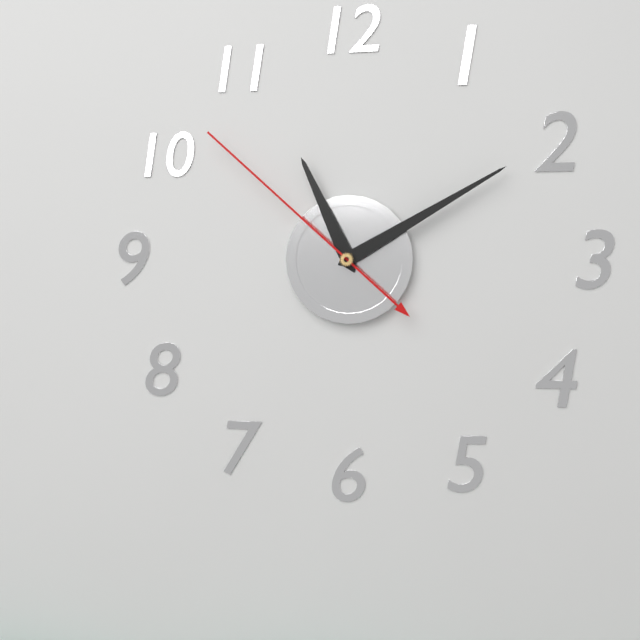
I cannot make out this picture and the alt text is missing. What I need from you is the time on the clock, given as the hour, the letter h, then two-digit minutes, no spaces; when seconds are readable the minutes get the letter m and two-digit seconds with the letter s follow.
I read 11h10m52s
